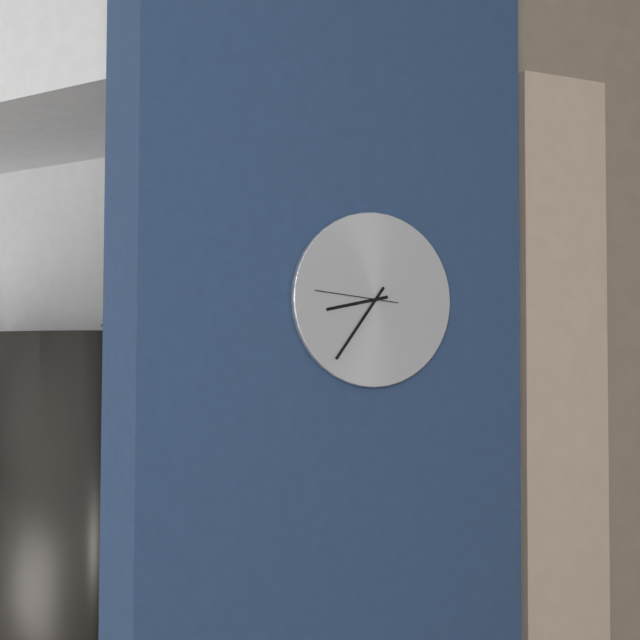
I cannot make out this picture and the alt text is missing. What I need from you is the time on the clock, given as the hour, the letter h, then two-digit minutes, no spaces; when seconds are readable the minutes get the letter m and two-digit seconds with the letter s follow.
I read 8h36m46s
